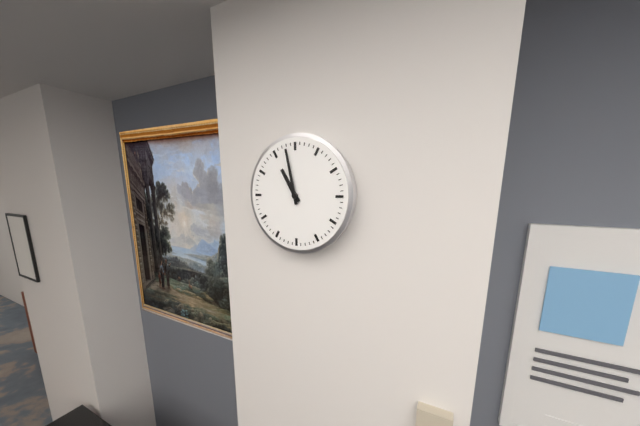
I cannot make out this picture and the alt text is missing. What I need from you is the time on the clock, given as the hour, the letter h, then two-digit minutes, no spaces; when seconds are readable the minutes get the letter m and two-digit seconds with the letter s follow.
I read 10h58
